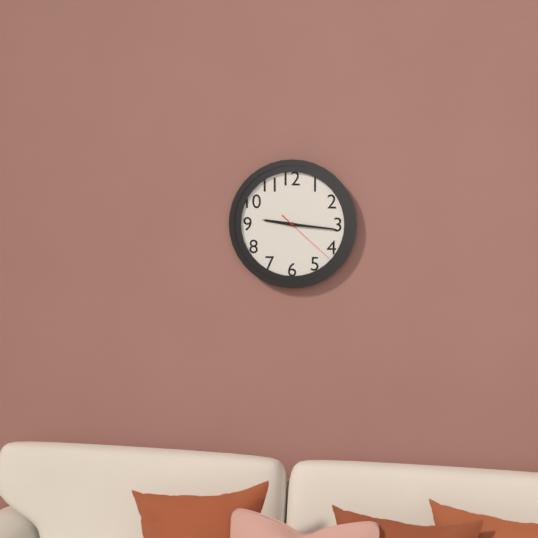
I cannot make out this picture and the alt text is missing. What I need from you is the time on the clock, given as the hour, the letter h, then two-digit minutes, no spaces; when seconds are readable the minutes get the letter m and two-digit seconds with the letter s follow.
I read 9h16m22s
